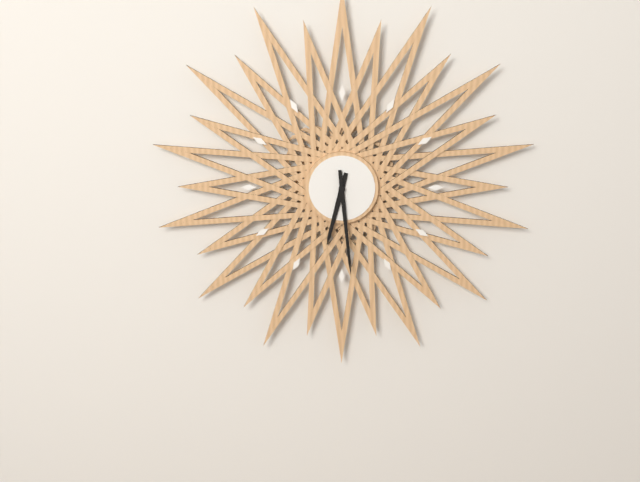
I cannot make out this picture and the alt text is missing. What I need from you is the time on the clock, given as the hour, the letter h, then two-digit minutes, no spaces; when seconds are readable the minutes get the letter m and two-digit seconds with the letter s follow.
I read 6h29
